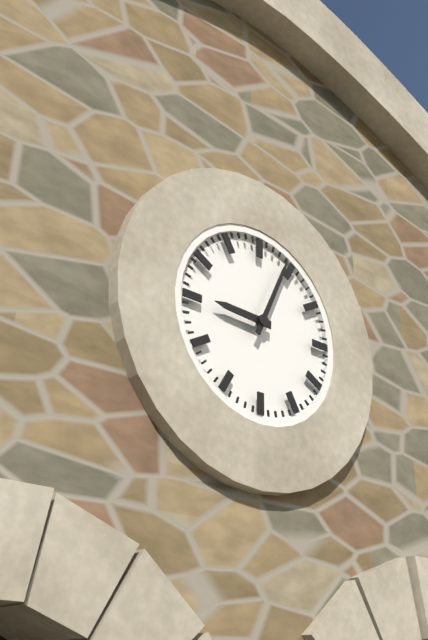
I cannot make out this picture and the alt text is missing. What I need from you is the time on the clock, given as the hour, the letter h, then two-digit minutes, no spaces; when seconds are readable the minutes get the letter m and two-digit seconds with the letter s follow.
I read 9h04
